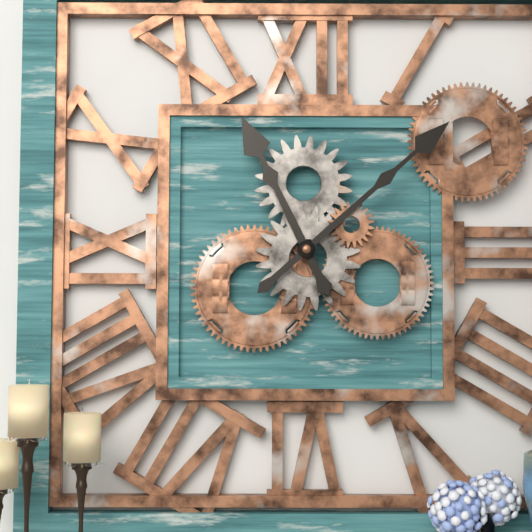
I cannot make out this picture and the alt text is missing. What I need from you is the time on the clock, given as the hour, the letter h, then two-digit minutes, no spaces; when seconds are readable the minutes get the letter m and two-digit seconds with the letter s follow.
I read 11h08
